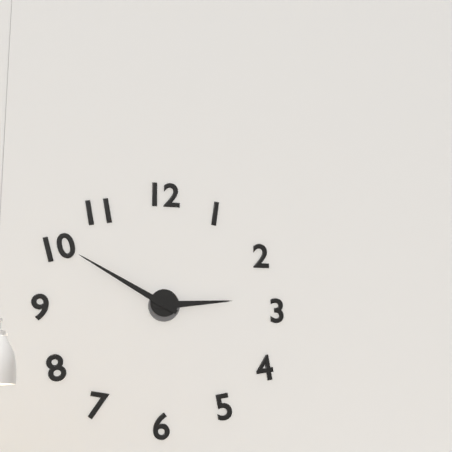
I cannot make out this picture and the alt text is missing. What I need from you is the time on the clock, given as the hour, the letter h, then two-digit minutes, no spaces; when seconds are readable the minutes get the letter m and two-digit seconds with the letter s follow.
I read 2h50
